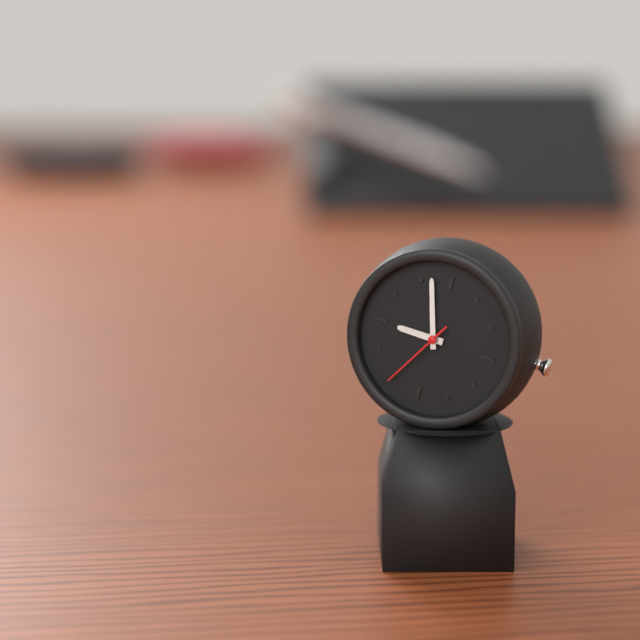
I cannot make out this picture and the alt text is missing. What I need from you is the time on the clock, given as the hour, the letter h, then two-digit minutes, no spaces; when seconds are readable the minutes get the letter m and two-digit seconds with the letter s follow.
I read 8h57m35s
